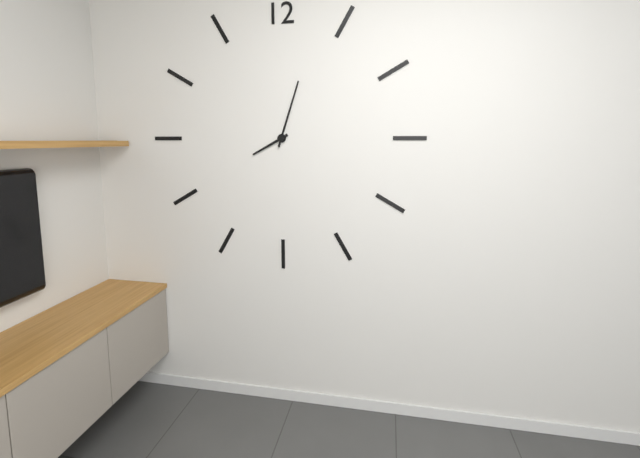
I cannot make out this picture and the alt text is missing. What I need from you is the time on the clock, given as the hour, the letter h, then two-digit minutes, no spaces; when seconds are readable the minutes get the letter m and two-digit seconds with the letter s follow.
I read 8h03
